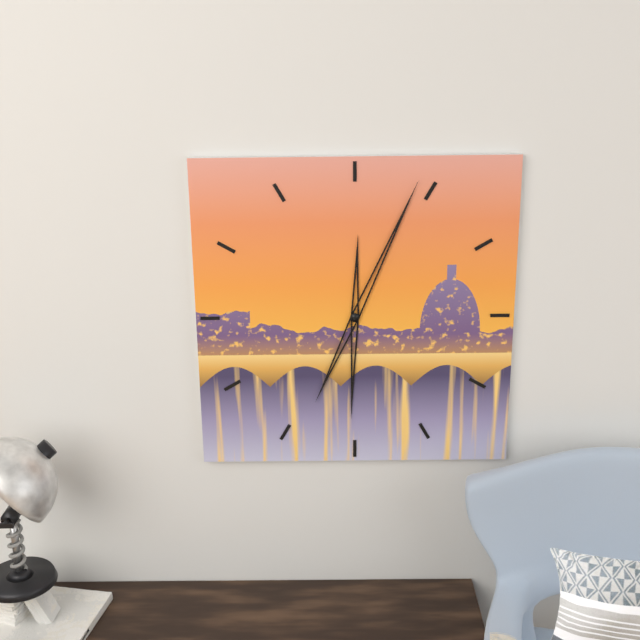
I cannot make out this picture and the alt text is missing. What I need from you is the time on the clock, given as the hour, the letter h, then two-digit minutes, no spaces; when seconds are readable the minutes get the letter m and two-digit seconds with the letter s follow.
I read 6h04
